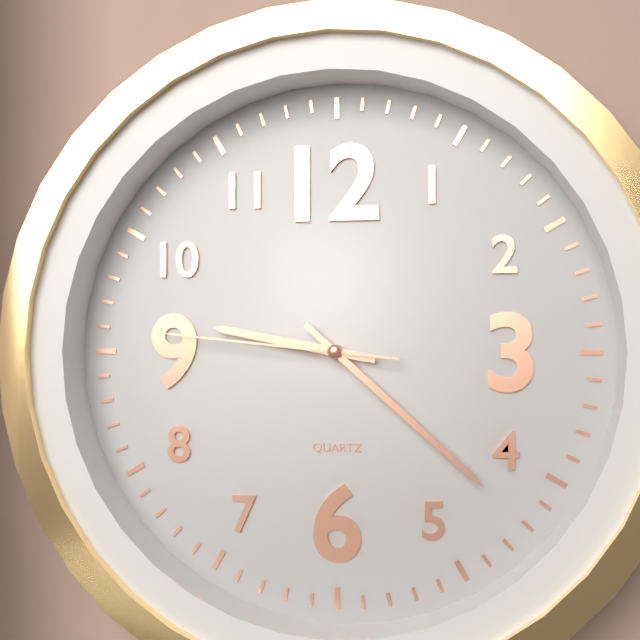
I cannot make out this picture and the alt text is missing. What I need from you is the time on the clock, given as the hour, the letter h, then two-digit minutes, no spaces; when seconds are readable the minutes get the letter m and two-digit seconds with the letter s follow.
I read 9h22m46s
